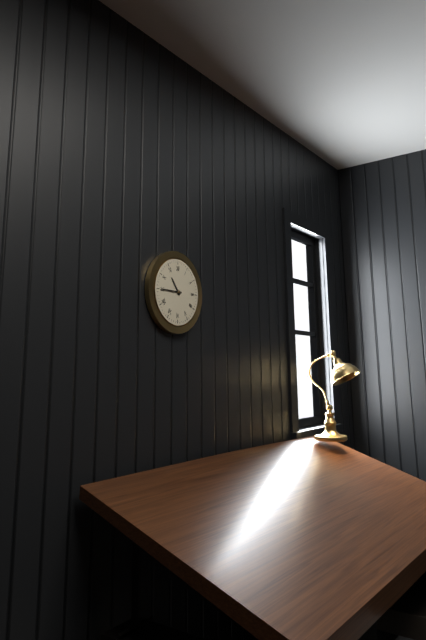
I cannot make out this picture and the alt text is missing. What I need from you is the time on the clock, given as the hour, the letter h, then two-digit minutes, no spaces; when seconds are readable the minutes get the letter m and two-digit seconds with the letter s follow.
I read 10h45
